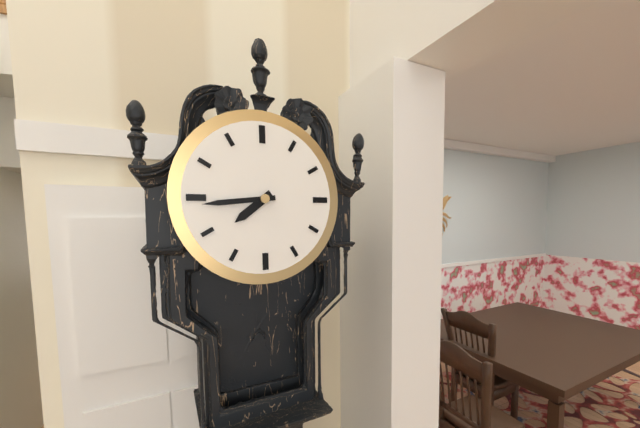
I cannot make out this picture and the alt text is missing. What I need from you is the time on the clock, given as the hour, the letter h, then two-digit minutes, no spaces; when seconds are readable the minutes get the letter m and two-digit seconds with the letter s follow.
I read 7h44
